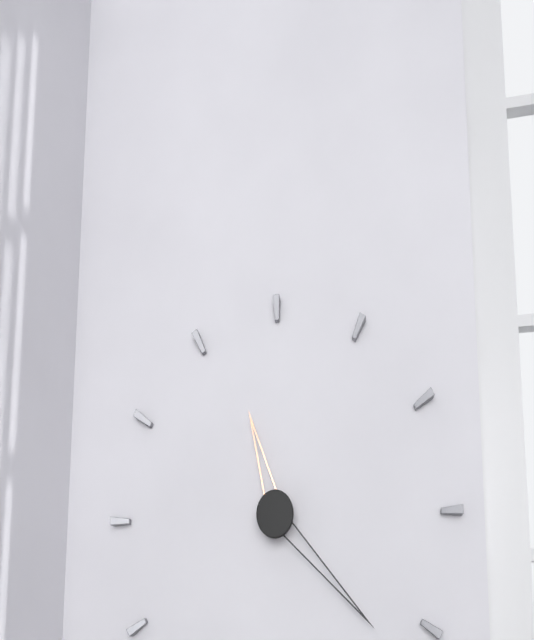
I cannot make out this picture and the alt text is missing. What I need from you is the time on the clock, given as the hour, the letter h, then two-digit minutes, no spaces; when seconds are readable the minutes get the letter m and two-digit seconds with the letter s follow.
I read 11h22
